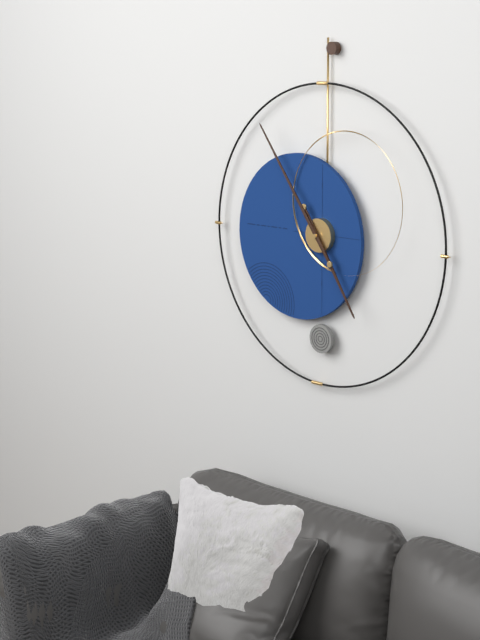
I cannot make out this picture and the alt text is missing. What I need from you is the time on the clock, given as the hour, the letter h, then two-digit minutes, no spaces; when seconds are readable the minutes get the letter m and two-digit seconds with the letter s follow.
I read 4h54
